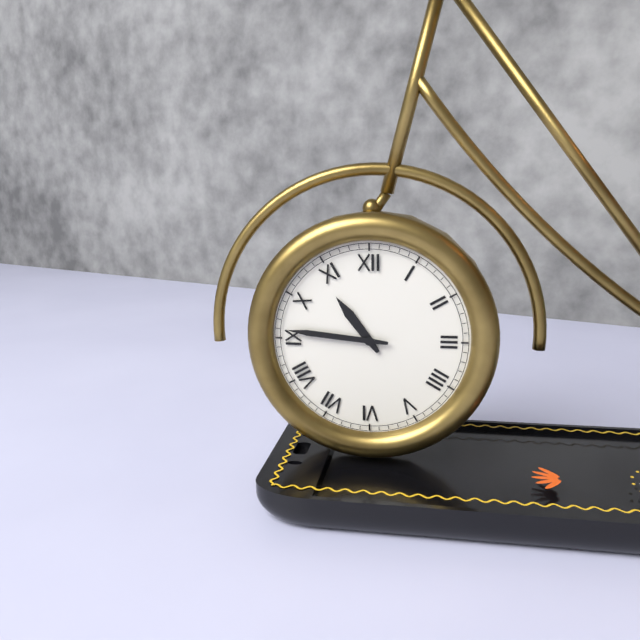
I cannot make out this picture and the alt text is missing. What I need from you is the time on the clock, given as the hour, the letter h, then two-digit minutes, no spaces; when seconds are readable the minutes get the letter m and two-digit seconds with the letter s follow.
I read 10h46
